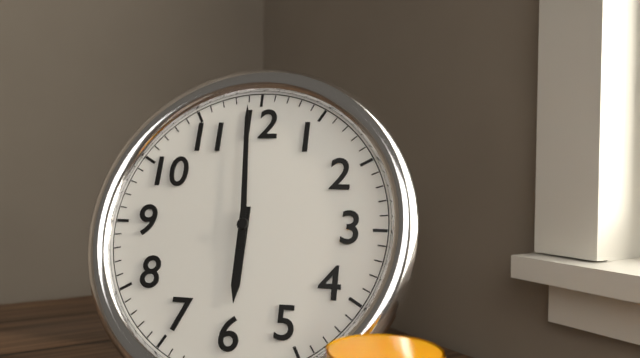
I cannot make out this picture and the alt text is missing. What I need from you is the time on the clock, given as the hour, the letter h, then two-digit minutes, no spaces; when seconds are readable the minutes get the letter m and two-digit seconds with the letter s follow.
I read 5h59
